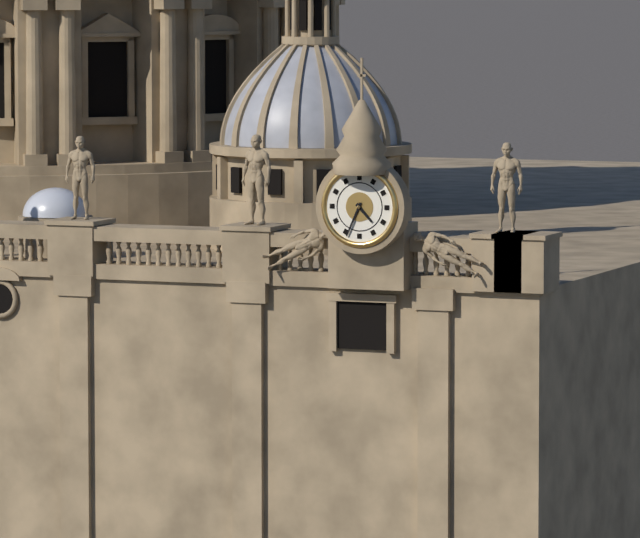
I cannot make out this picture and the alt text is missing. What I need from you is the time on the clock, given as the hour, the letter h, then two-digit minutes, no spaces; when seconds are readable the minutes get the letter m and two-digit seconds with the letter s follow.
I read 4h34
